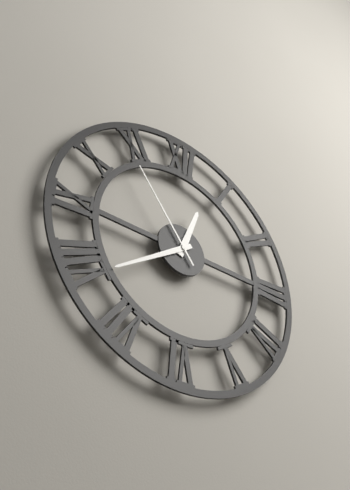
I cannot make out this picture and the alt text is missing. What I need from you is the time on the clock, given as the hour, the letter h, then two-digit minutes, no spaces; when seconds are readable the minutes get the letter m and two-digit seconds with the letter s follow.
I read 12h39m54s
